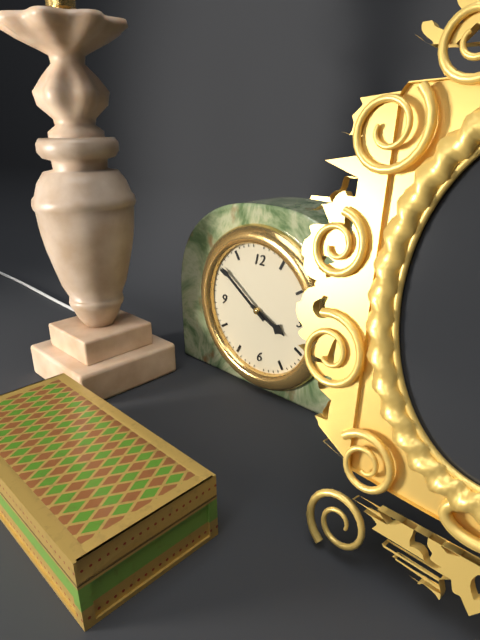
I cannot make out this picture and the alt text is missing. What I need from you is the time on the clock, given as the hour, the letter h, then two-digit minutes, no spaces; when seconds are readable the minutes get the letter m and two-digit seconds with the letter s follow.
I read 3h51
